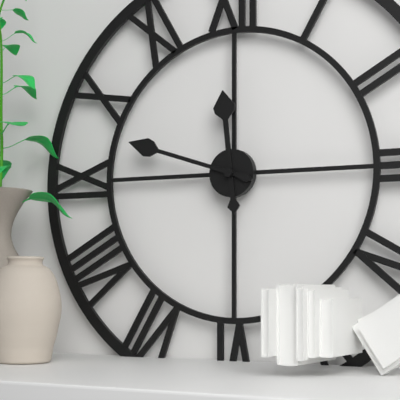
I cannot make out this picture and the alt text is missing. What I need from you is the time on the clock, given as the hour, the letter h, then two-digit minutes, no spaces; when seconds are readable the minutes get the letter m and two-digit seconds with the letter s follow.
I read 11h48
